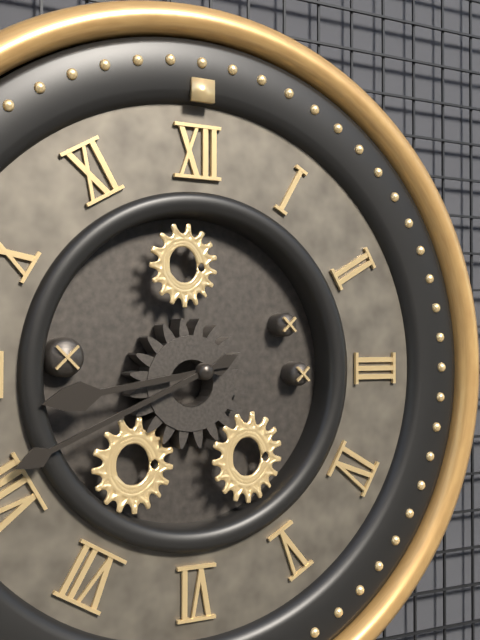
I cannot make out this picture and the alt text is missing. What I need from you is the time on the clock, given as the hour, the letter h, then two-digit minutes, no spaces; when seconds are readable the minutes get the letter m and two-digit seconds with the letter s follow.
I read 8h41
